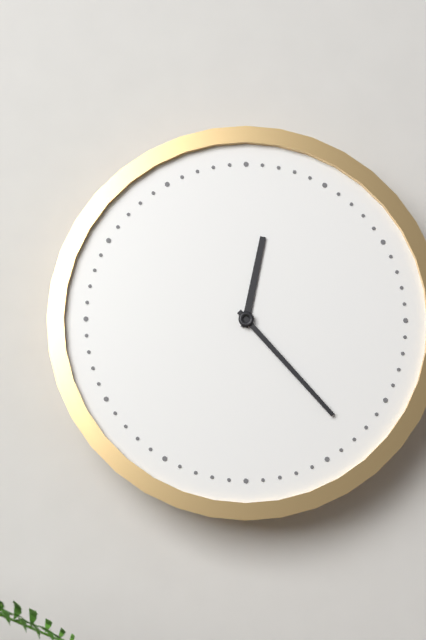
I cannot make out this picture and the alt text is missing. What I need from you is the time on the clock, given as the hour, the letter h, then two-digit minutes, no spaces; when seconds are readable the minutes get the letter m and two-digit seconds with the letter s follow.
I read 12h23
